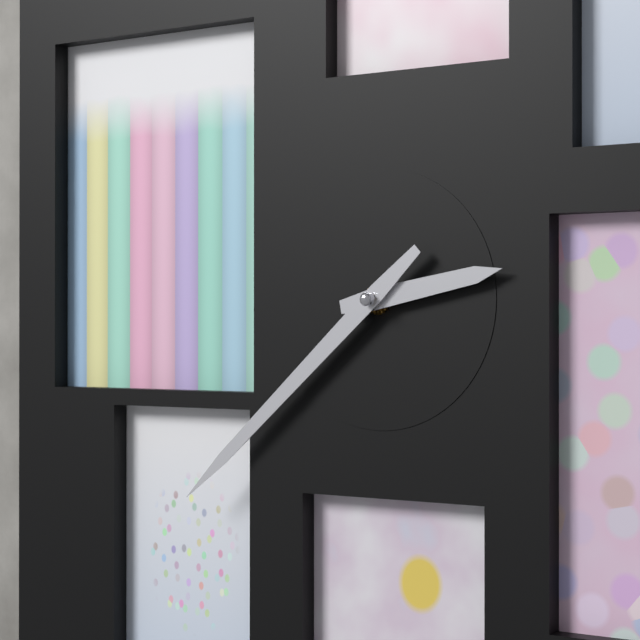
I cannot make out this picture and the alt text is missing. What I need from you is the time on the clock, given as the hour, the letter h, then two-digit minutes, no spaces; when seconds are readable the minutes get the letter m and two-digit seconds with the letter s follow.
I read 2h38
